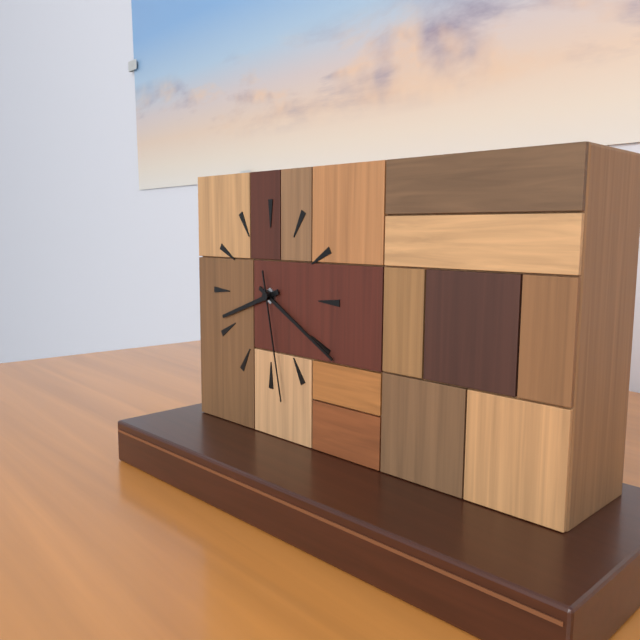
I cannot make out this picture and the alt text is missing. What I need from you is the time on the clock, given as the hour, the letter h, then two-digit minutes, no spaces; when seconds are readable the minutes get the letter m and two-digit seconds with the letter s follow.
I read 8h20m28s
